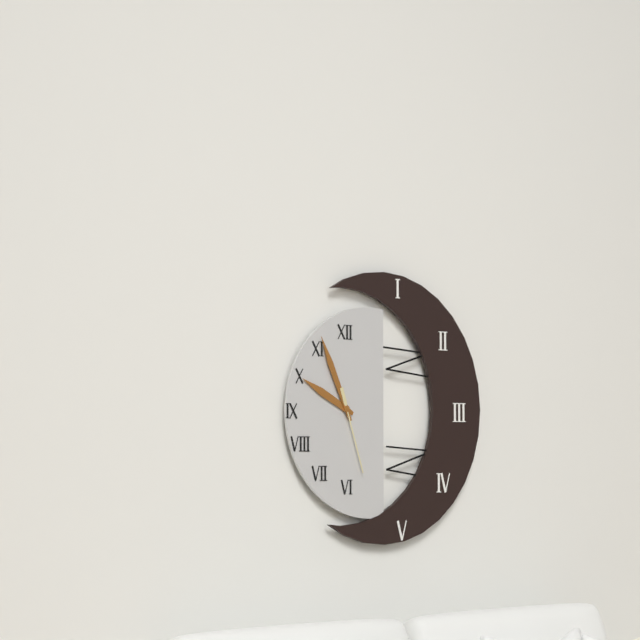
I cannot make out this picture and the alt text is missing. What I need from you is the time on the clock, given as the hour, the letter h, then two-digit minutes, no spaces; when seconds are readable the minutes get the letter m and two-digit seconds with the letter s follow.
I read 9h56m27s
